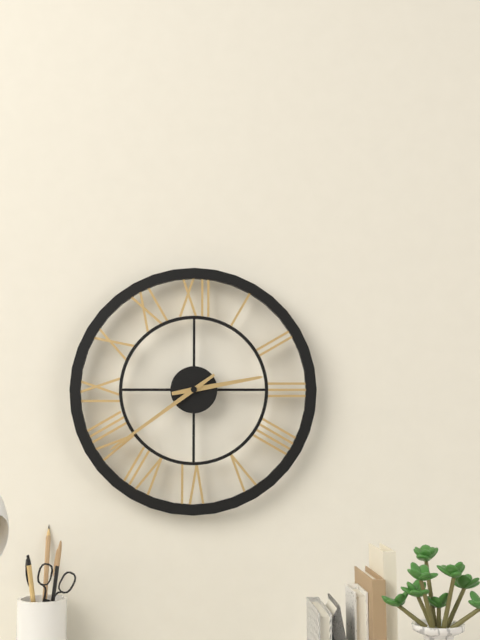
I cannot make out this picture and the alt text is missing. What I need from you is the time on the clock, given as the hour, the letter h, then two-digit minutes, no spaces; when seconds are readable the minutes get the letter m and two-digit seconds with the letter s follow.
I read 2h39
